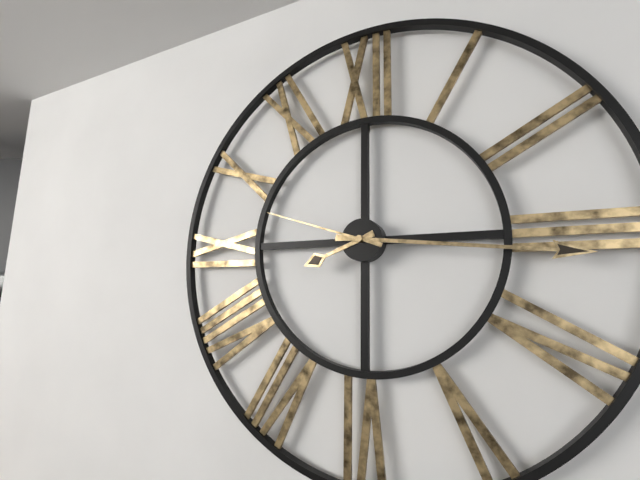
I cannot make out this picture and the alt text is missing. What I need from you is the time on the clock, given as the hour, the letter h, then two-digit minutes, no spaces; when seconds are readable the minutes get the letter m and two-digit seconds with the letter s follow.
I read 8h16m48s
